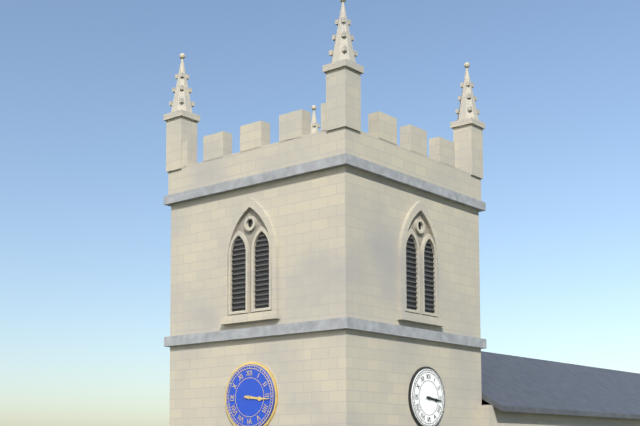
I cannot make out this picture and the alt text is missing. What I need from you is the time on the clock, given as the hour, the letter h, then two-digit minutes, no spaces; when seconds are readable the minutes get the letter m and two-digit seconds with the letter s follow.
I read 3h16
